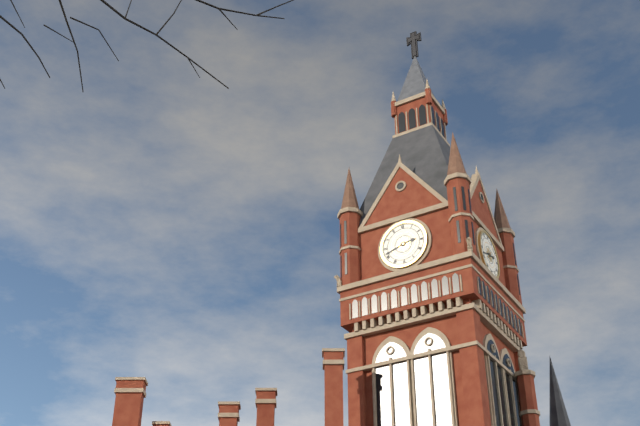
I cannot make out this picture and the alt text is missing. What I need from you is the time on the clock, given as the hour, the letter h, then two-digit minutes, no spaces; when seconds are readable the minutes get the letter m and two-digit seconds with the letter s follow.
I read 2h42
